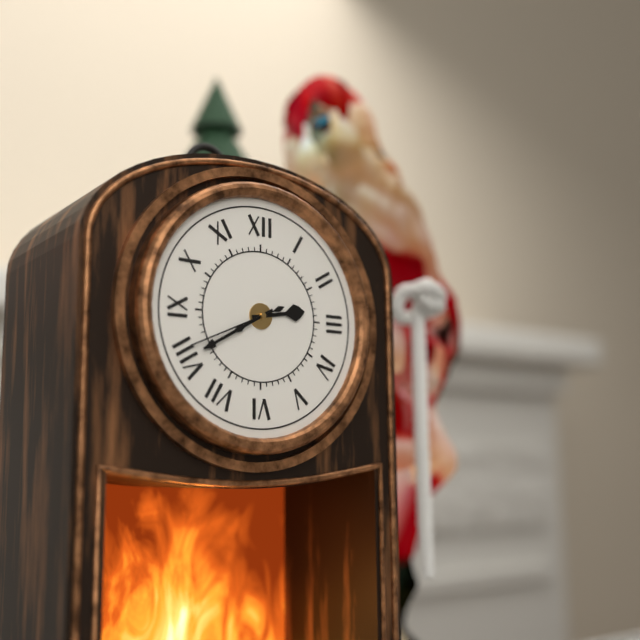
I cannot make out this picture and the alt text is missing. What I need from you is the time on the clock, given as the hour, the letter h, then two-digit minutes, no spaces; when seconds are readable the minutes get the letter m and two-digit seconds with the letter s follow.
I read 2h40m41s
